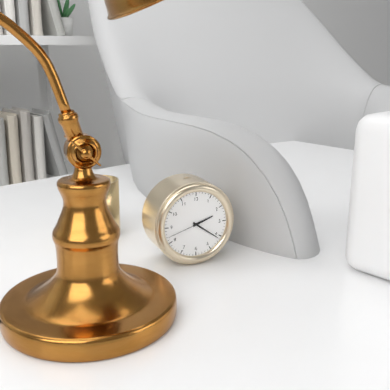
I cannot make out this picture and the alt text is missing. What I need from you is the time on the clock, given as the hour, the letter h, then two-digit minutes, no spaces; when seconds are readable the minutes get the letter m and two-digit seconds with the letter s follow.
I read 2h21
